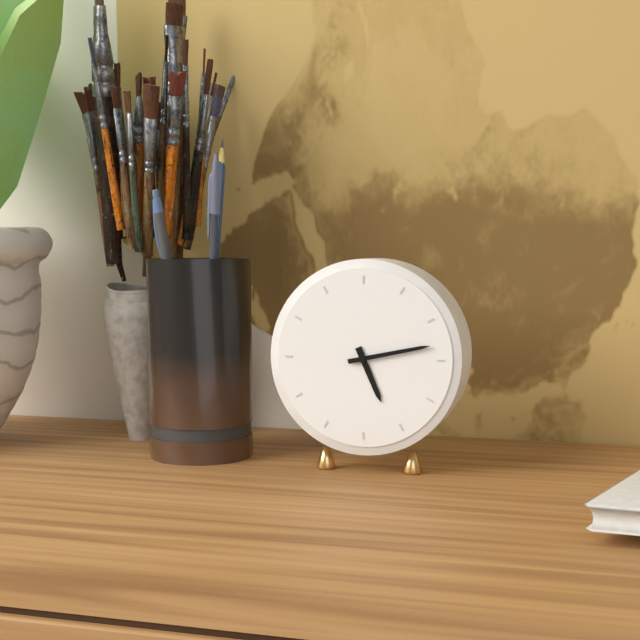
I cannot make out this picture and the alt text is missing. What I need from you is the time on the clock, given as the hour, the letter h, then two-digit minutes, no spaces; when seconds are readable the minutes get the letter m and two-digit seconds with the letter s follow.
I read 5h13
